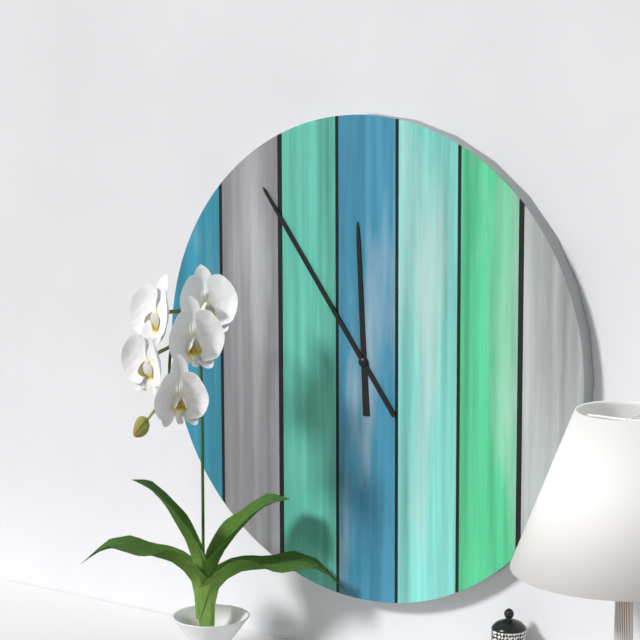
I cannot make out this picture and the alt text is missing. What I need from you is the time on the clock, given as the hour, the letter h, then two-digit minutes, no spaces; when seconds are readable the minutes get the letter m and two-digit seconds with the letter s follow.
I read 11h54
